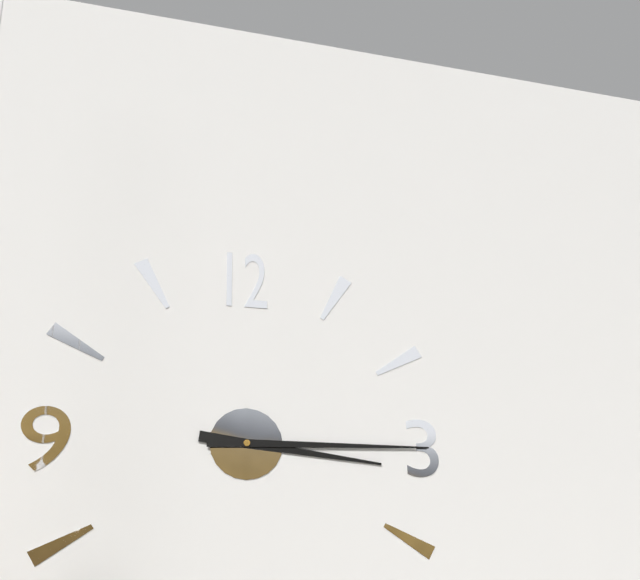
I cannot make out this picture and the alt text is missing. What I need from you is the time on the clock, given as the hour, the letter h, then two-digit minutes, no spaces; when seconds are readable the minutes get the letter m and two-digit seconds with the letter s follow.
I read 3h15
